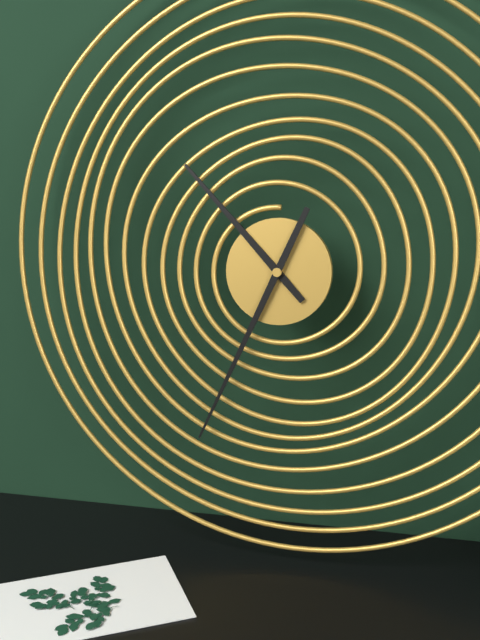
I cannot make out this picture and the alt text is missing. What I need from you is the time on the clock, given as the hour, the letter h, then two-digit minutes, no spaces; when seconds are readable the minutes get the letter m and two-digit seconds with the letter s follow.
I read 10h34
